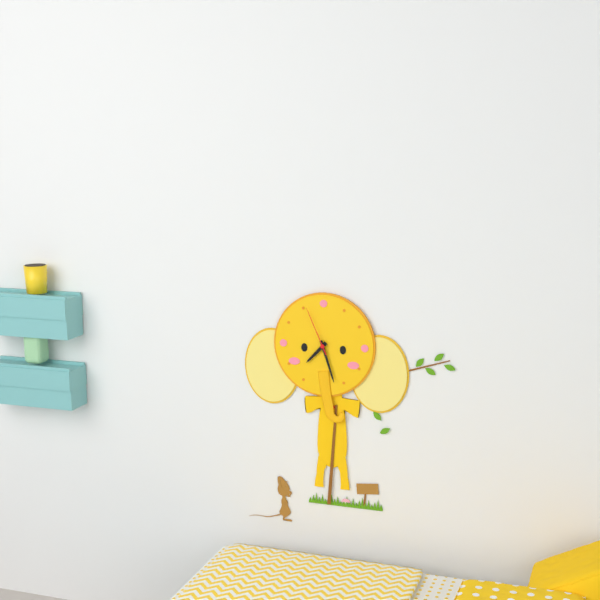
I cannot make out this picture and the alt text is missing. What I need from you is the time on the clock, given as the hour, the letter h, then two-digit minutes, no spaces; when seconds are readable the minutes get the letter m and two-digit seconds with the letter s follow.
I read 7h27m56s
